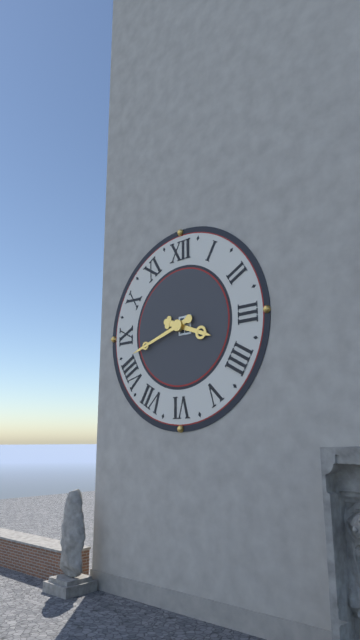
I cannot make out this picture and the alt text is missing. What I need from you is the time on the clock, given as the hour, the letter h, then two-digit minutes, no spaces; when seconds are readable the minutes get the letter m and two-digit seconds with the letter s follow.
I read 3h42
